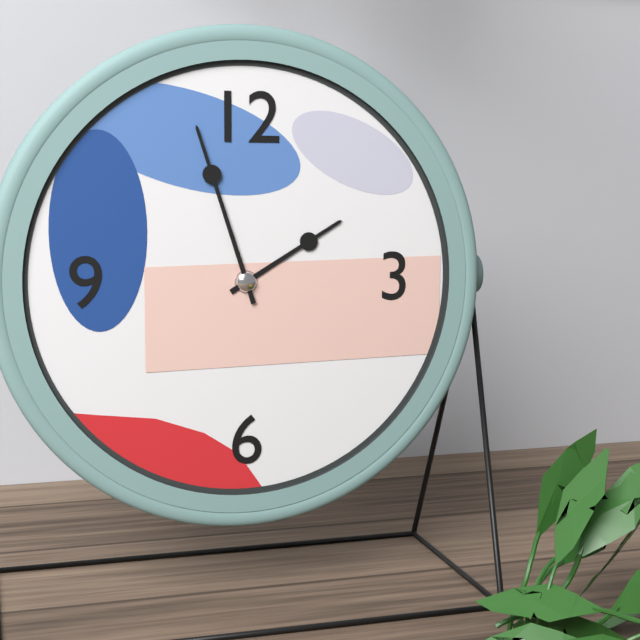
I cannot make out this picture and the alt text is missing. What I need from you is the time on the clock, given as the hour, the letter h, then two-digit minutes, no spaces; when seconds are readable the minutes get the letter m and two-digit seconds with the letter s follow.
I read 1h57
